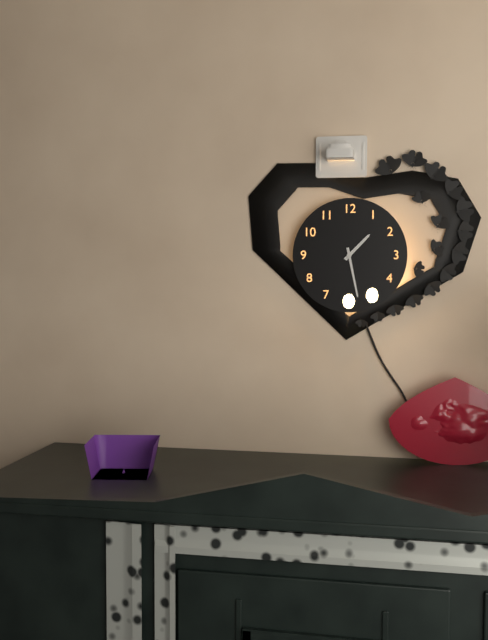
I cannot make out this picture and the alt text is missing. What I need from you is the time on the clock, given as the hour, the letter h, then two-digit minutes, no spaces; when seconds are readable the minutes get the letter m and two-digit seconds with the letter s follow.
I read 1h28
